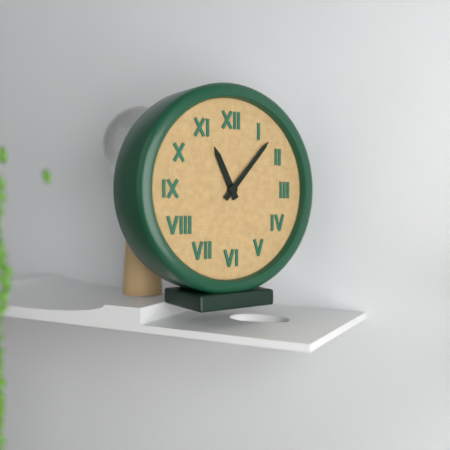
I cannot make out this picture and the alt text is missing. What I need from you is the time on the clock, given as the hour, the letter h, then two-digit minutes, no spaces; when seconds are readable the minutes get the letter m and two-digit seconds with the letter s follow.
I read 11h07
